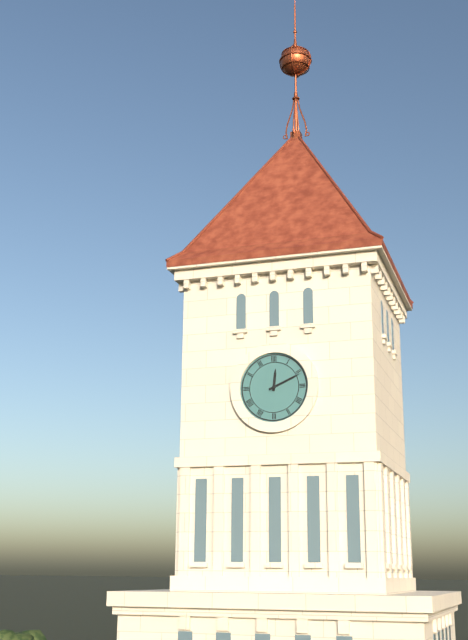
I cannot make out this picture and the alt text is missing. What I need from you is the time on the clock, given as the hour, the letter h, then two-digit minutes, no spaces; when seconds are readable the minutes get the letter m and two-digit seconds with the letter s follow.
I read 12h11
